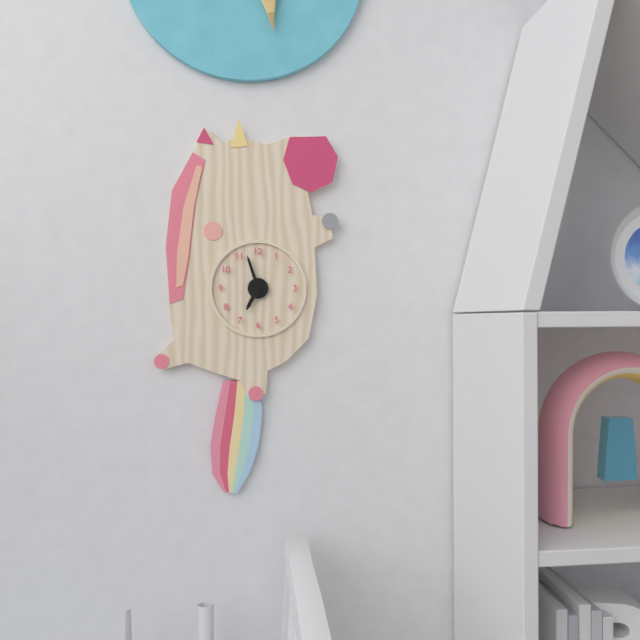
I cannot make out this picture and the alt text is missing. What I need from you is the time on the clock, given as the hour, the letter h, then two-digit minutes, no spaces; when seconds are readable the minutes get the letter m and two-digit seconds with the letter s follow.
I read 6h57
